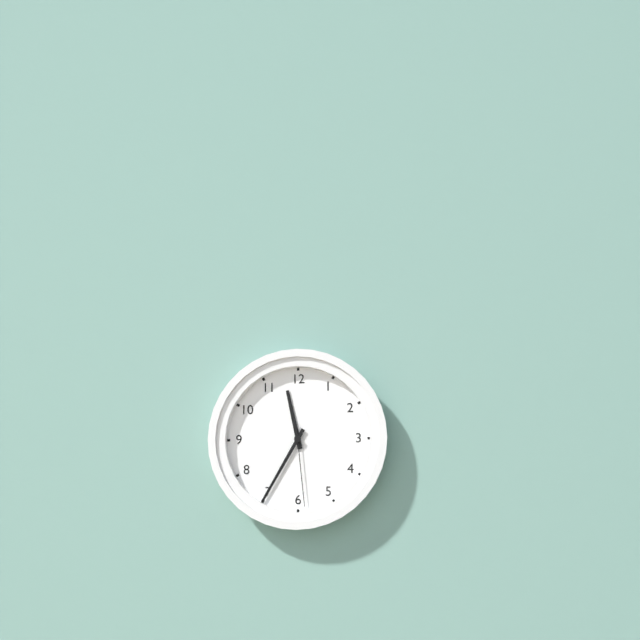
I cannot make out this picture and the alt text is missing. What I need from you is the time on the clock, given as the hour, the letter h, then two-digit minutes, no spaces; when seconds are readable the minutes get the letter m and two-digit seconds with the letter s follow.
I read 11h35m29s
